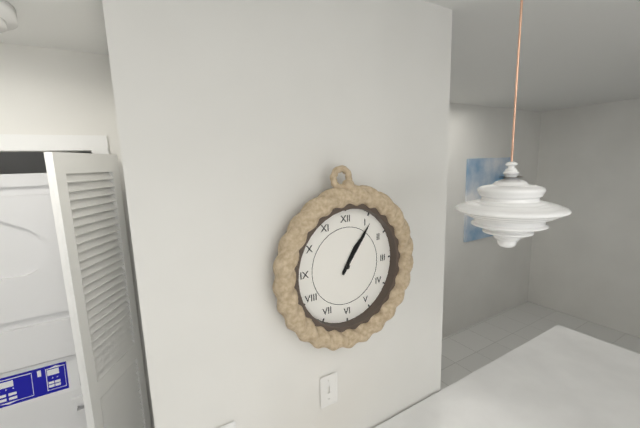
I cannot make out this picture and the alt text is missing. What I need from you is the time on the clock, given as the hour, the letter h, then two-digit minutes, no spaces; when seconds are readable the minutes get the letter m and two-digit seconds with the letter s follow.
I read 1h06
